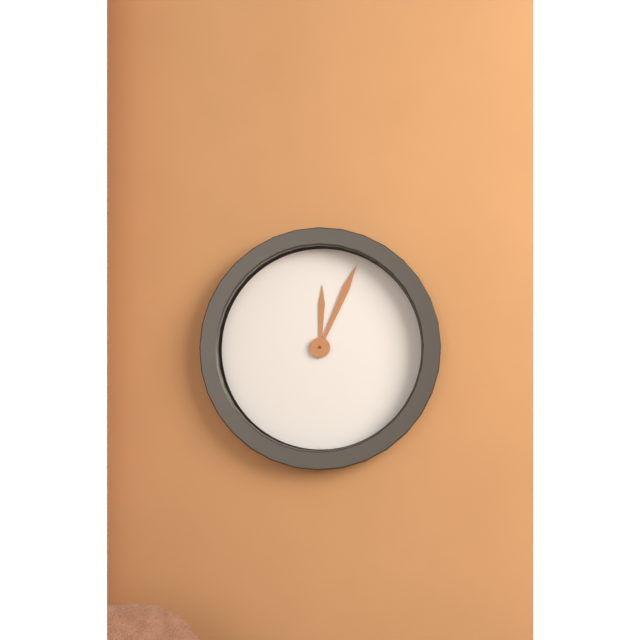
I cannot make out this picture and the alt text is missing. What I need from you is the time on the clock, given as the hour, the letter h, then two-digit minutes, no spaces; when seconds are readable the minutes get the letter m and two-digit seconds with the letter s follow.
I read 12h04
